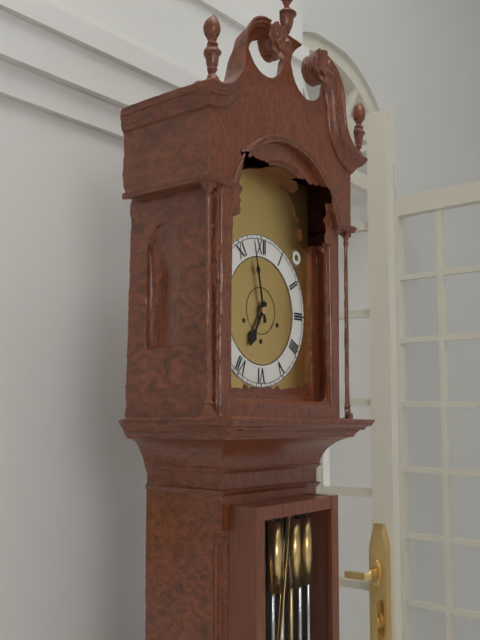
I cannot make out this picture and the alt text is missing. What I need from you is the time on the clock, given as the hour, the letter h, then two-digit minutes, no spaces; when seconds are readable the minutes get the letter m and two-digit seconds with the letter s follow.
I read 6h58
